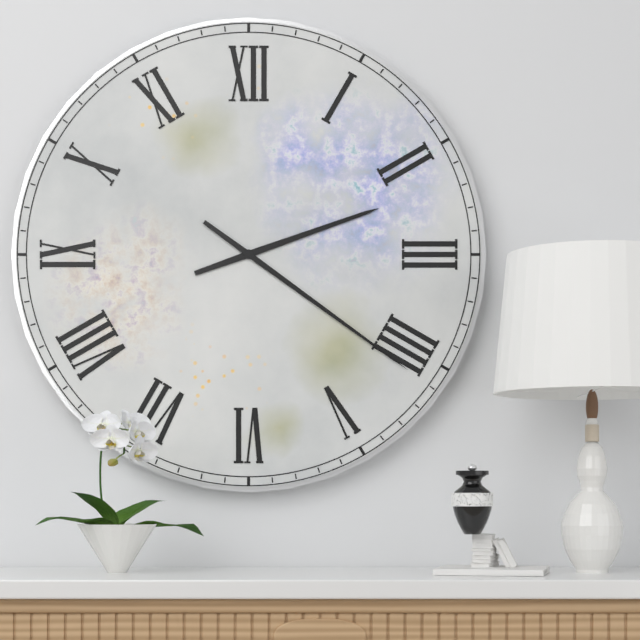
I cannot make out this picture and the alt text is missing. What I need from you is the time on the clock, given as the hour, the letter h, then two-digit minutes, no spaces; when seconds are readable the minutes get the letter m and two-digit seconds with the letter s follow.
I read 2h21
